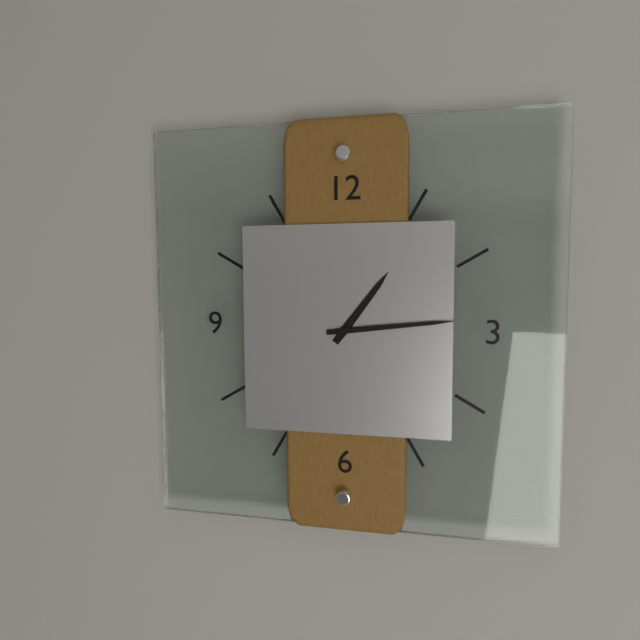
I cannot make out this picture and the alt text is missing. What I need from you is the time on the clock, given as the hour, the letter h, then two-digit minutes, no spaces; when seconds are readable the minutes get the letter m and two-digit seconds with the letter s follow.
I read 1h14
